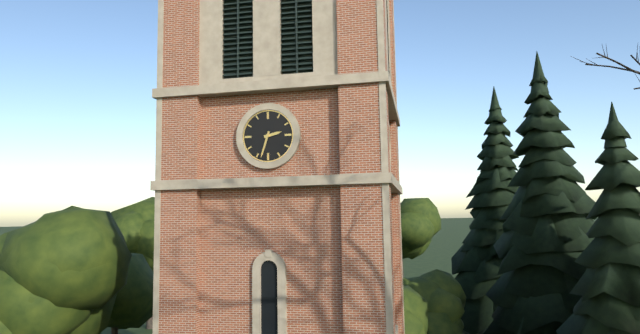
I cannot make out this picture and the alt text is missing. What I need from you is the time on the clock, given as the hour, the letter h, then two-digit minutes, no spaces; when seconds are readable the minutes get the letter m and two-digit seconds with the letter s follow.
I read 2h33
